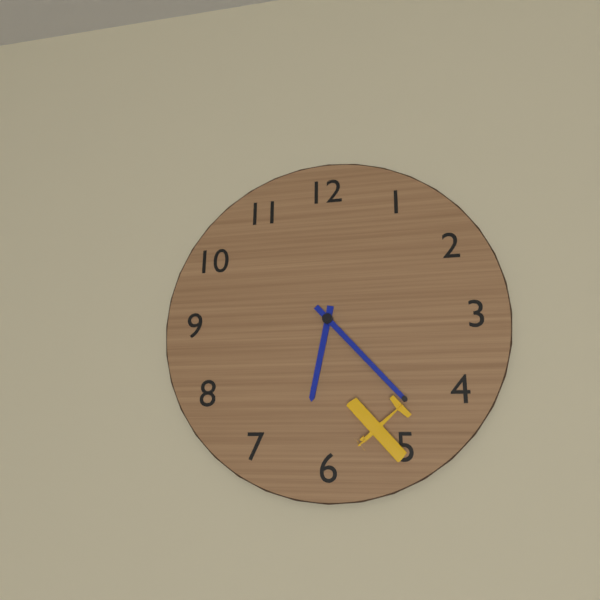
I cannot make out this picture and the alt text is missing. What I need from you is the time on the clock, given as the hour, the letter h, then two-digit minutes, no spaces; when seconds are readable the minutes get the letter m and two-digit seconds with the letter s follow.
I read 6h23
